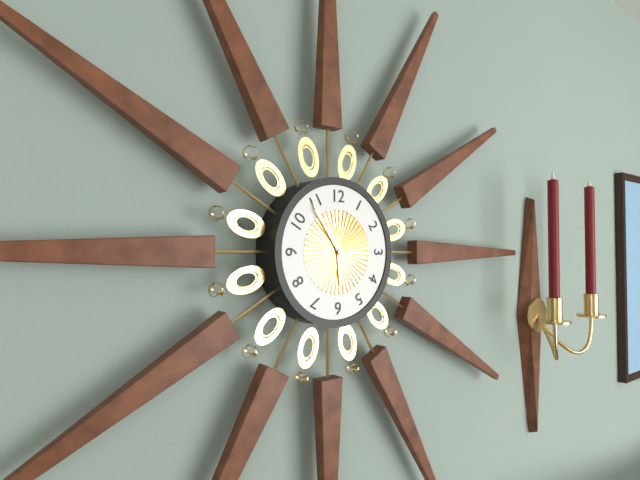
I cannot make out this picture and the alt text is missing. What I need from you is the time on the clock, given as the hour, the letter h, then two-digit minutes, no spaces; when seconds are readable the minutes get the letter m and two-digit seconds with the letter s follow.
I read 5h54
